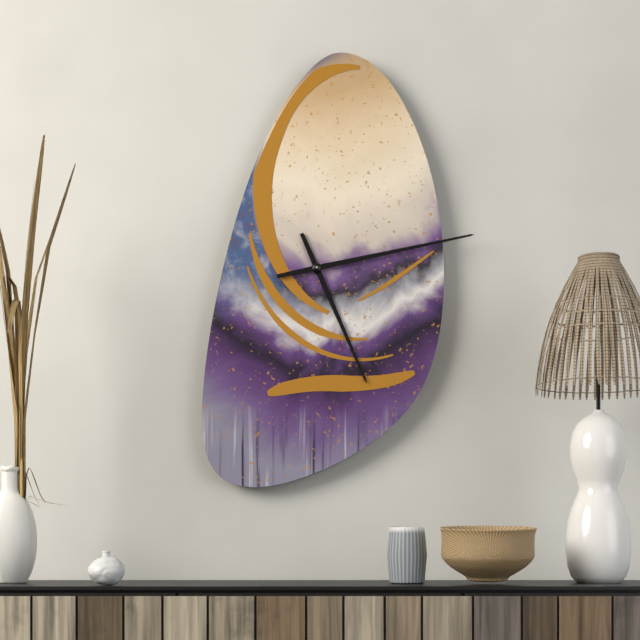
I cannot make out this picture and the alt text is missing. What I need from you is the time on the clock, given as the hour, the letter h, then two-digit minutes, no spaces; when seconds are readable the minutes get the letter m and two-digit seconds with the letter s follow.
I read 5h13
